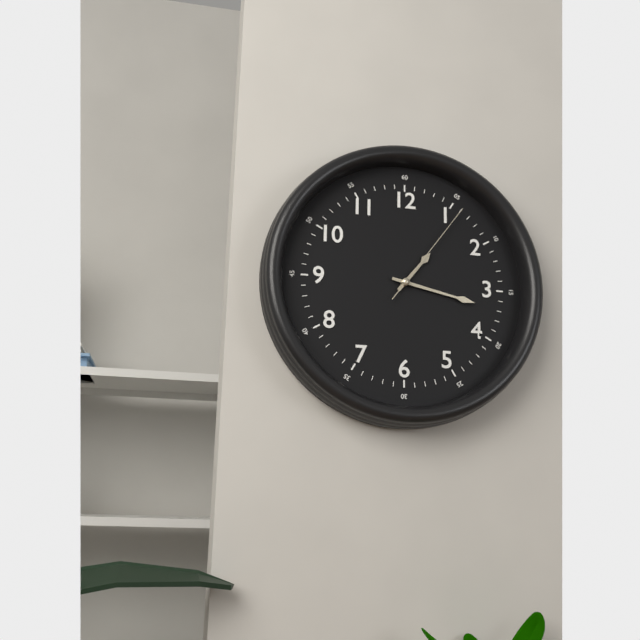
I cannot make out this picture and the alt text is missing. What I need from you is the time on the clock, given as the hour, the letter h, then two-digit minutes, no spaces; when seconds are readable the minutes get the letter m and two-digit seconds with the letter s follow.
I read 1h17m06s
